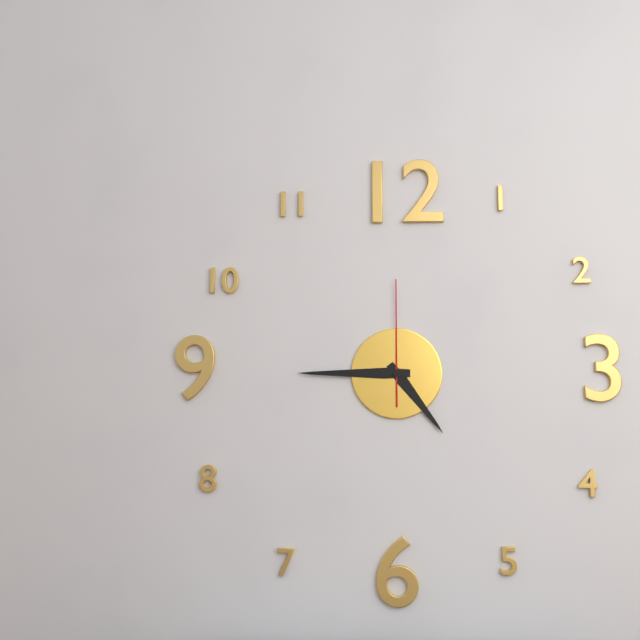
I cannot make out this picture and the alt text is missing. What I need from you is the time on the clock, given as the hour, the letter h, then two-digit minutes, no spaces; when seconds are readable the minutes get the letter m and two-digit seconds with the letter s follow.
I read 4h45m00s
